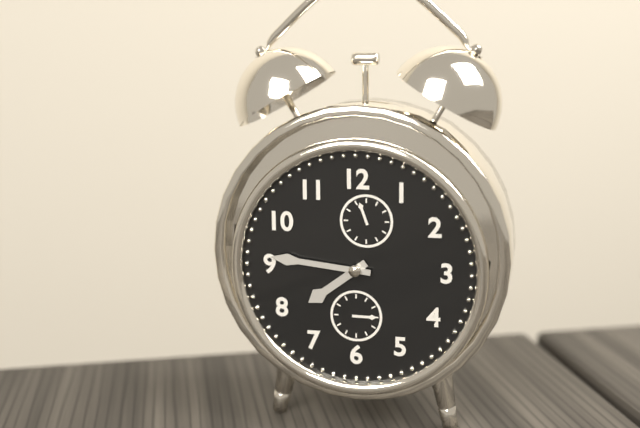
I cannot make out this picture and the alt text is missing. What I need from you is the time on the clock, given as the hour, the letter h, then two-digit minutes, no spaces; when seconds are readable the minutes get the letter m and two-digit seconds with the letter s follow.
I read 7h46
